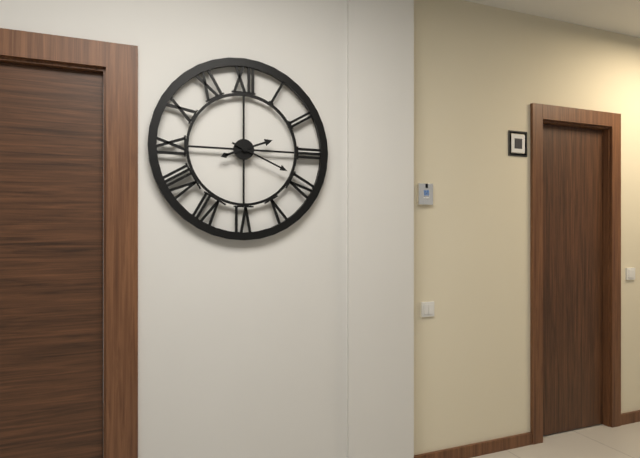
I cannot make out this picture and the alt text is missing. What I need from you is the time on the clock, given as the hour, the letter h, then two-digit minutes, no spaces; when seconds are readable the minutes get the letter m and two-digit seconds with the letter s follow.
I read 2h19
